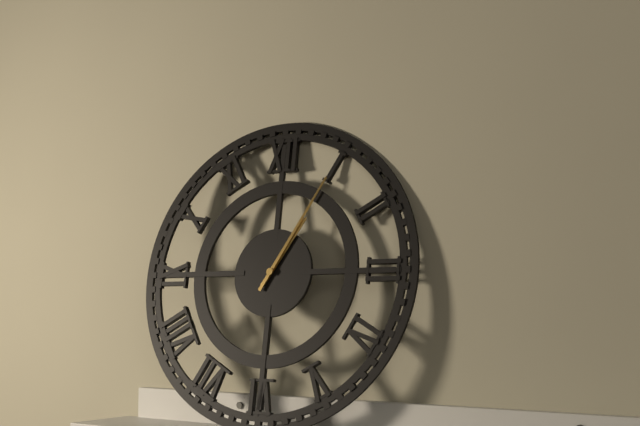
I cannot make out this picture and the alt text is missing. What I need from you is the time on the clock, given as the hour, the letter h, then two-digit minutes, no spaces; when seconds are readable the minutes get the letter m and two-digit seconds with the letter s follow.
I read 1h05
